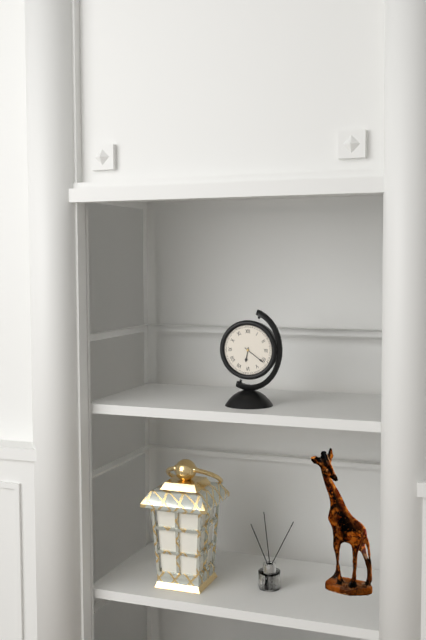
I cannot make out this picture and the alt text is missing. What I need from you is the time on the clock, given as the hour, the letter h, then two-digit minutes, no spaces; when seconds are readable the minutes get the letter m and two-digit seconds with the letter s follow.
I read 6h21
